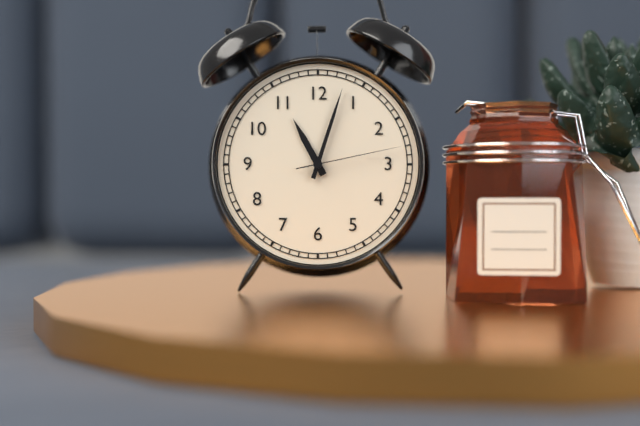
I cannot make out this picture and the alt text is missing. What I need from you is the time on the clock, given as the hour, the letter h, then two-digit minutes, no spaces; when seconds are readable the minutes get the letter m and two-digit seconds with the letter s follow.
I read 11h03m13s
